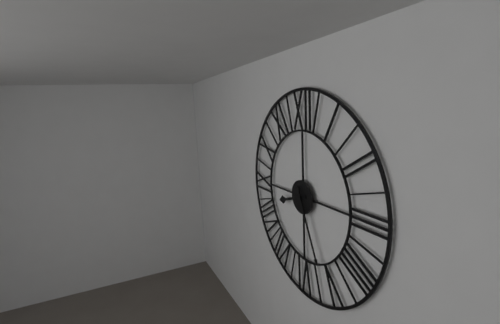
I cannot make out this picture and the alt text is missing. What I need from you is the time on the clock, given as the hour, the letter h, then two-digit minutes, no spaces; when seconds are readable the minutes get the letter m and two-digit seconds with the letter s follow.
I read 8h26
